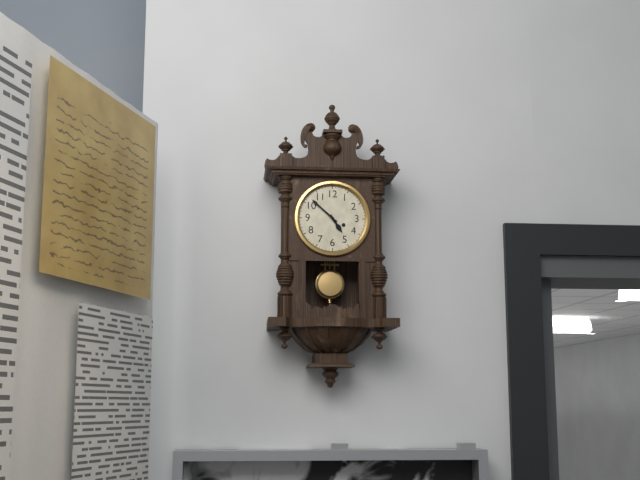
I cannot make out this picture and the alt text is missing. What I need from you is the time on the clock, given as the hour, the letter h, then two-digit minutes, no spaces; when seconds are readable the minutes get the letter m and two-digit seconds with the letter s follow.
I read 4h52
